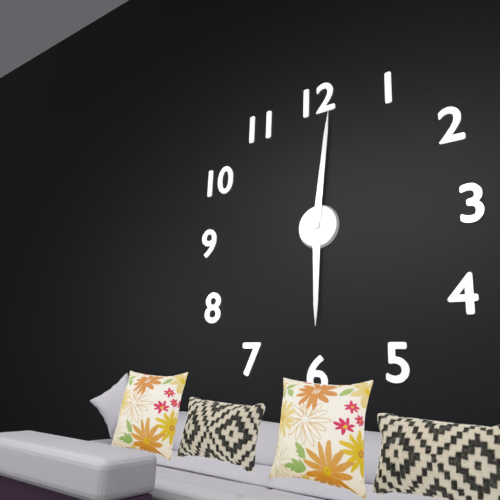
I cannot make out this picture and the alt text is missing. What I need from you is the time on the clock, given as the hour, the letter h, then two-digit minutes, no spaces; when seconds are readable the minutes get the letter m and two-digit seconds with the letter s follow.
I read 6h01
